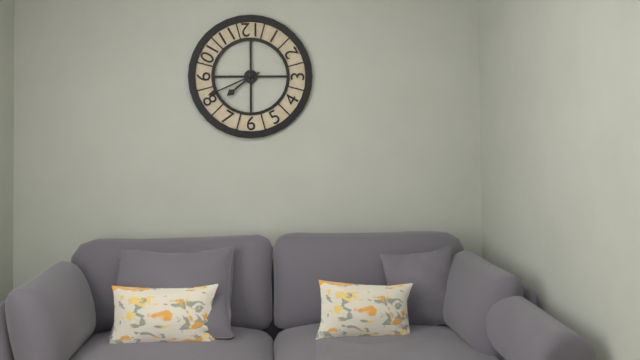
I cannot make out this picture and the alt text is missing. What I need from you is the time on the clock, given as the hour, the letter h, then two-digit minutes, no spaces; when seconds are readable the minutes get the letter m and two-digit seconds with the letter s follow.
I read 7h41
